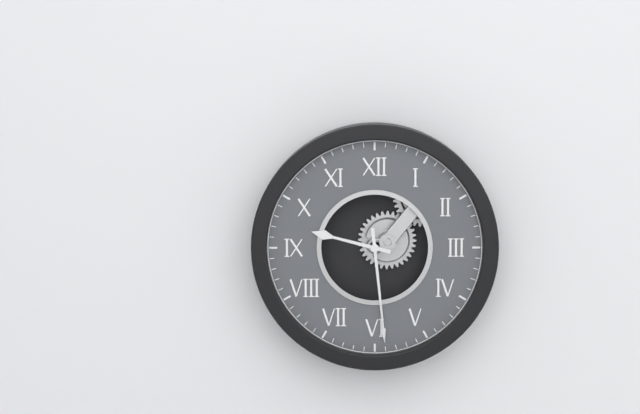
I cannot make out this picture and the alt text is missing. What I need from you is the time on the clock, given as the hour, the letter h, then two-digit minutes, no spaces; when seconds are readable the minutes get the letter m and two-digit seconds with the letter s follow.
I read 9h29
